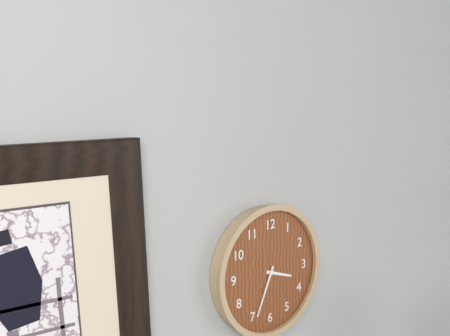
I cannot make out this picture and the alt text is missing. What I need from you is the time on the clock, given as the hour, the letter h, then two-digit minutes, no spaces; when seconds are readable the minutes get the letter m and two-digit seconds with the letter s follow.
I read 3h34
